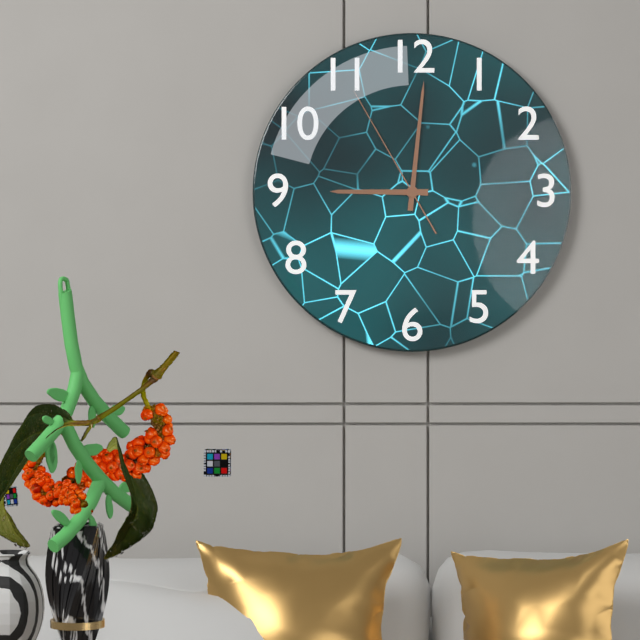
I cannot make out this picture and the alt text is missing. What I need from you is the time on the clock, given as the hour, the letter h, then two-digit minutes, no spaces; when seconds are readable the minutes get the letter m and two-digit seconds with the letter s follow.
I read 9h01m55s
